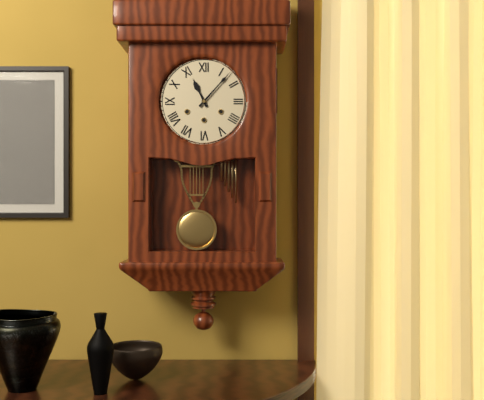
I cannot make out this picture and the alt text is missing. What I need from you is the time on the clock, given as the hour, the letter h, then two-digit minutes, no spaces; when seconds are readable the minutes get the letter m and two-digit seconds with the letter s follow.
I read 11h07
